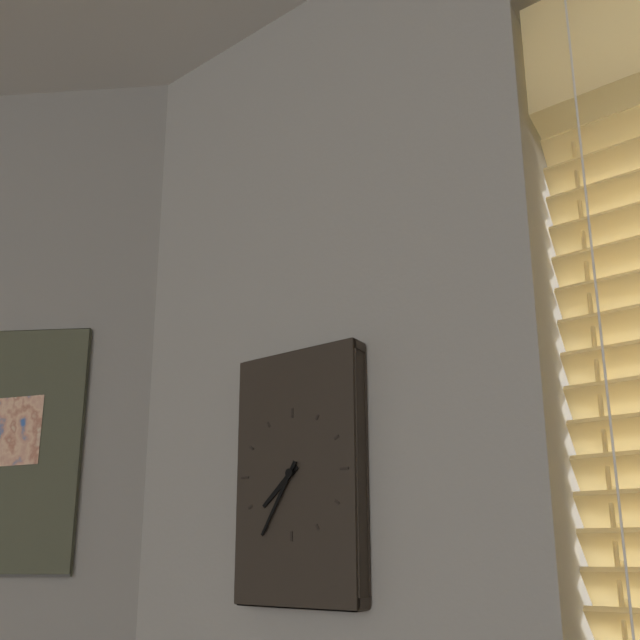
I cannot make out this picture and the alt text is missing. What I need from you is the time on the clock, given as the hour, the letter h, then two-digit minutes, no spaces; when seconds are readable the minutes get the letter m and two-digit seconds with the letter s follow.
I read 7h35
